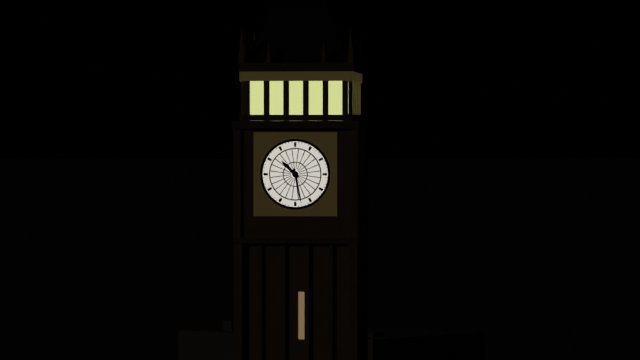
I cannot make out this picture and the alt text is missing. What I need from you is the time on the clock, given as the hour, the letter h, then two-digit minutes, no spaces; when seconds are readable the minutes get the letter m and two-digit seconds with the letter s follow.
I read 10h28
